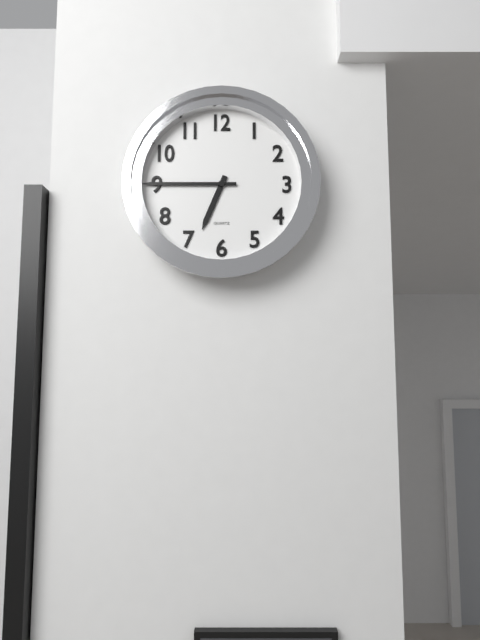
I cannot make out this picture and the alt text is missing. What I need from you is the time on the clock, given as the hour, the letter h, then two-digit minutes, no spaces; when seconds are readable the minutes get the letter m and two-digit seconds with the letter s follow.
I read 6h45
